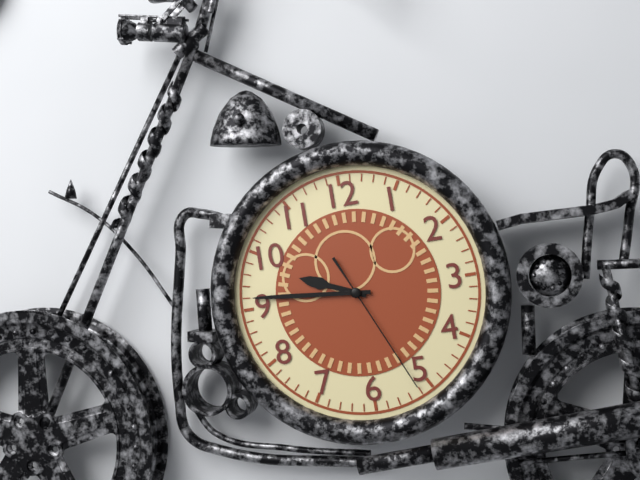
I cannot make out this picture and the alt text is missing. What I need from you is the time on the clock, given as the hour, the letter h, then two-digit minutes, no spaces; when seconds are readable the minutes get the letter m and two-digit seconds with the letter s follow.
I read 9h46m26s
